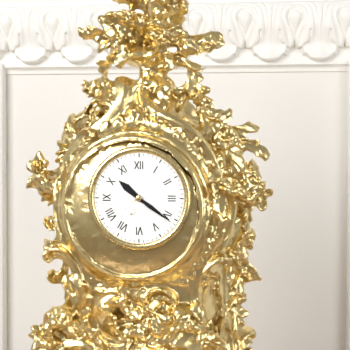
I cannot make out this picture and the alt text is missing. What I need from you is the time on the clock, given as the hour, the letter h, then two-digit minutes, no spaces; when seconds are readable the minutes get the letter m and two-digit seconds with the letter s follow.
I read 10h21
